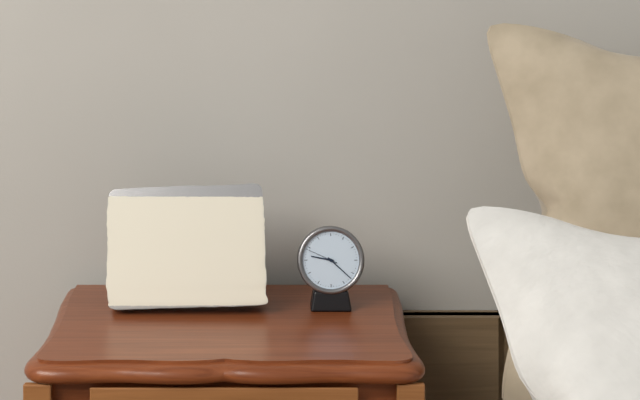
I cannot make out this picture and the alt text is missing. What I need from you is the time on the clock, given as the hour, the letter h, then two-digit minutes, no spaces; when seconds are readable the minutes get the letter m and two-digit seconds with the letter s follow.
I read 9h22
